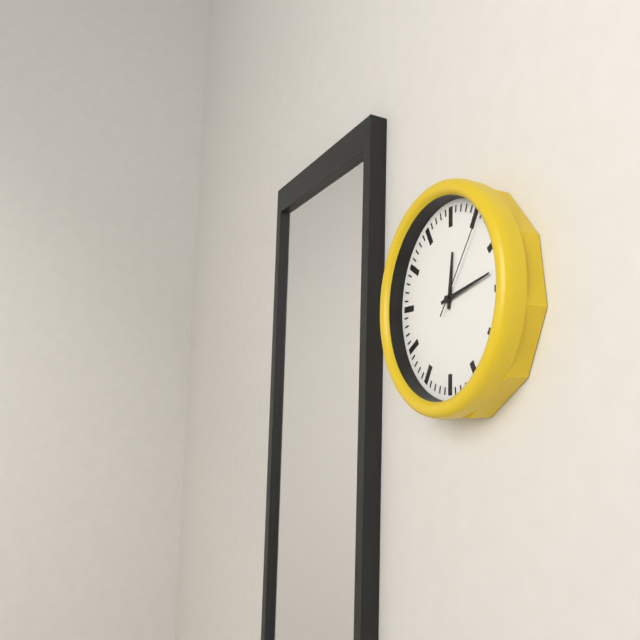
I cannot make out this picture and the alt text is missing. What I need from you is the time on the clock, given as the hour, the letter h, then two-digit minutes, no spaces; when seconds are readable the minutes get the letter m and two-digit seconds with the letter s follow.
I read 12h13m06s
